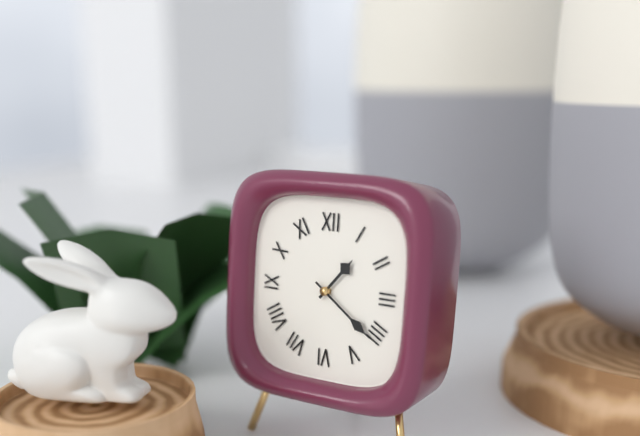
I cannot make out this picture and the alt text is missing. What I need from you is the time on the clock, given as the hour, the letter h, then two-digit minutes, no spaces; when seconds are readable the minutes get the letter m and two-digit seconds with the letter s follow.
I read 1h21
